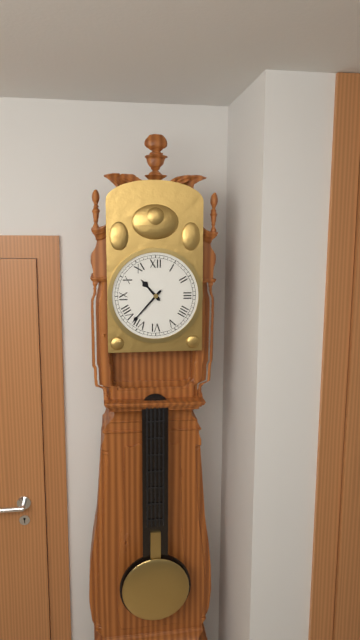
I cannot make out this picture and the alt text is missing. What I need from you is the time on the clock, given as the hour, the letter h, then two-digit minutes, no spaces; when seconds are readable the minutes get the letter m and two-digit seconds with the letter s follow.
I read 10h37
